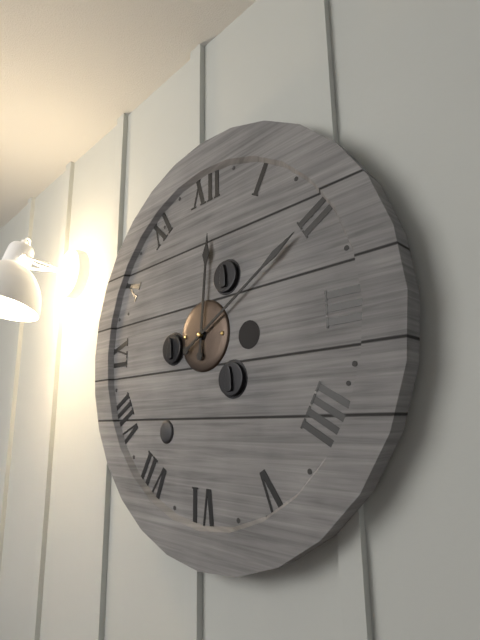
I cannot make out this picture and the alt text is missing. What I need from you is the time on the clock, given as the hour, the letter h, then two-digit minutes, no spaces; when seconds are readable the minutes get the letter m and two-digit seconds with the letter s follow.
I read 12h10
